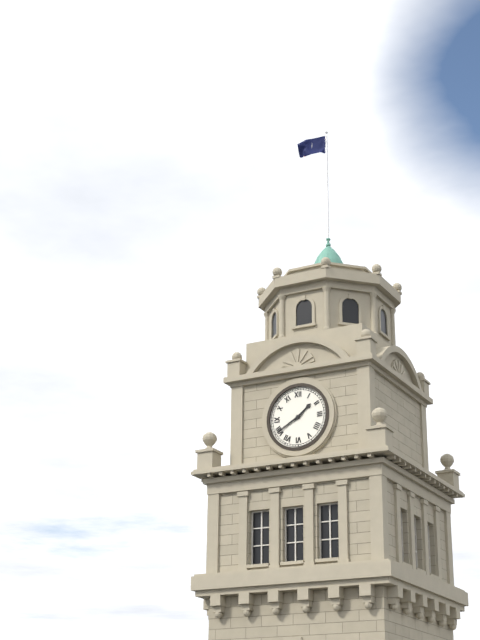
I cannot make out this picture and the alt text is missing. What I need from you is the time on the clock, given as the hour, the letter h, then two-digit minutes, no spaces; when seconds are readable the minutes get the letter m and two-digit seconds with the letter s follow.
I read 1h40
